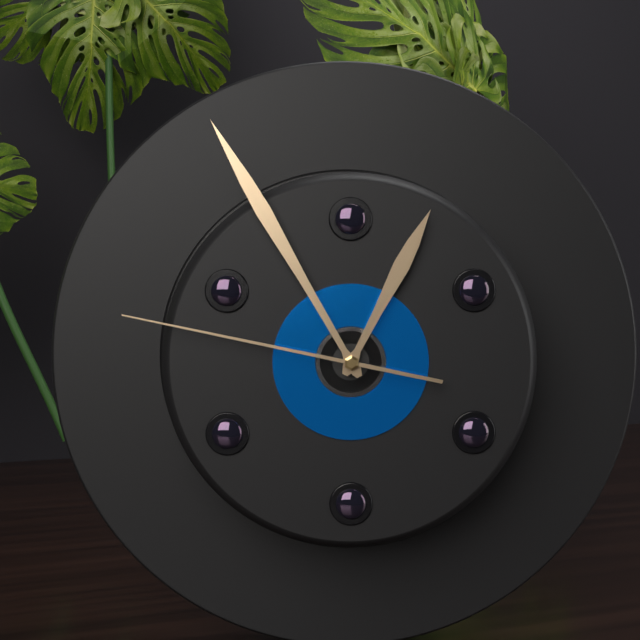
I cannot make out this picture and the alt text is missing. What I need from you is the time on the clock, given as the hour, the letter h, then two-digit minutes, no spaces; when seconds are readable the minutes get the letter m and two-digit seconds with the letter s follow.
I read 12h55m47s
